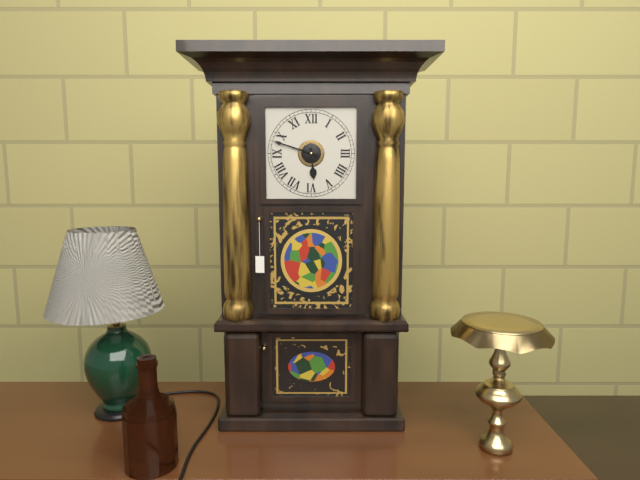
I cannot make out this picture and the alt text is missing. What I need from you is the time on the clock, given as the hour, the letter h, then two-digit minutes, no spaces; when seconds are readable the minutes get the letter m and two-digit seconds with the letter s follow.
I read 5h48
